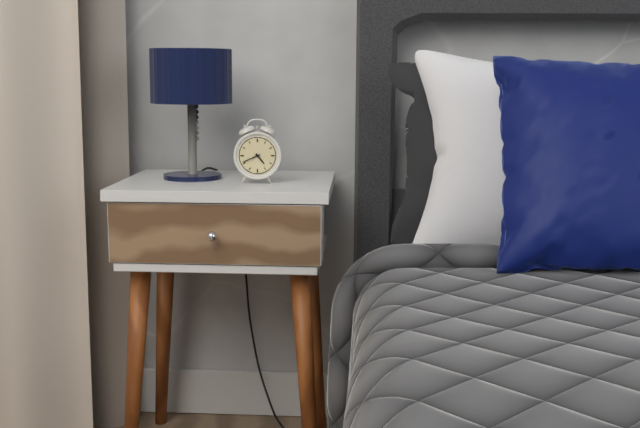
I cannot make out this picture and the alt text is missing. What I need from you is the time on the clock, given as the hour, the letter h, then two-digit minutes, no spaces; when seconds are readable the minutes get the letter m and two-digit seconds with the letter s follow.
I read 4h41
